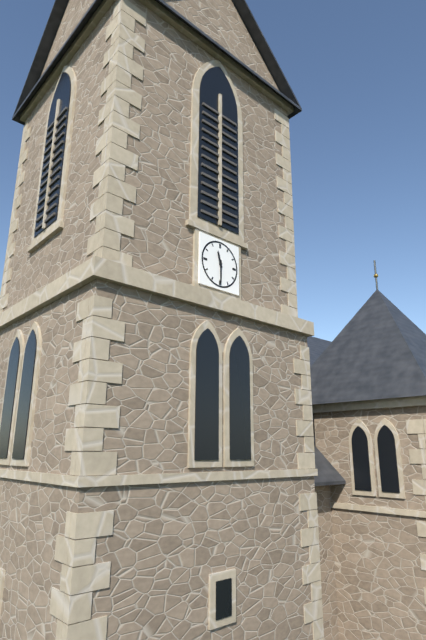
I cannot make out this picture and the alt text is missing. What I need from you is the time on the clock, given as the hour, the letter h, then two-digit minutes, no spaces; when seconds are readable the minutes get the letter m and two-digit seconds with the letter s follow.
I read 11h30
